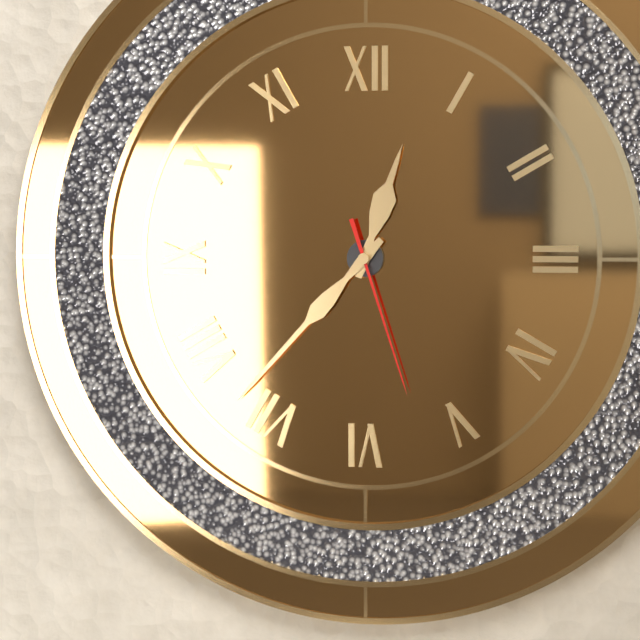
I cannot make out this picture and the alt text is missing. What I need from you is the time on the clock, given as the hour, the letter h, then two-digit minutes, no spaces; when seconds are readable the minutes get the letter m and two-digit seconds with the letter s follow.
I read 12h37m27s
